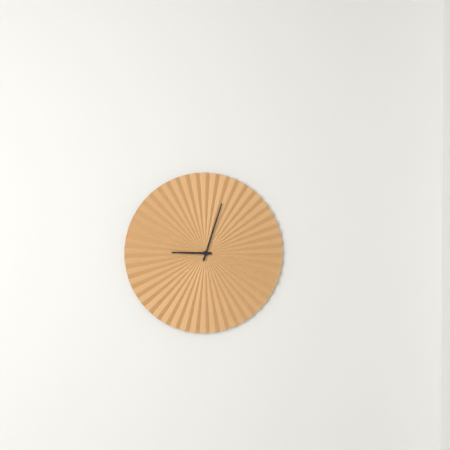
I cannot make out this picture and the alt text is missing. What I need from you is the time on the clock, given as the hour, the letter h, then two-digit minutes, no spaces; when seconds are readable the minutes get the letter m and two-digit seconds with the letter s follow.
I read 9h03
